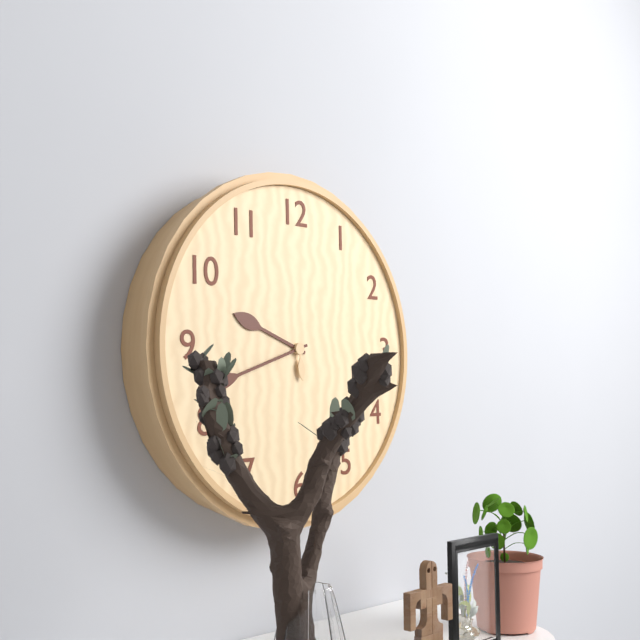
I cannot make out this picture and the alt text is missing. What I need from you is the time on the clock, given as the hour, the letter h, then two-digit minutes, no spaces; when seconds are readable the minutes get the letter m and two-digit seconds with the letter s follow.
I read 9h42m29s
